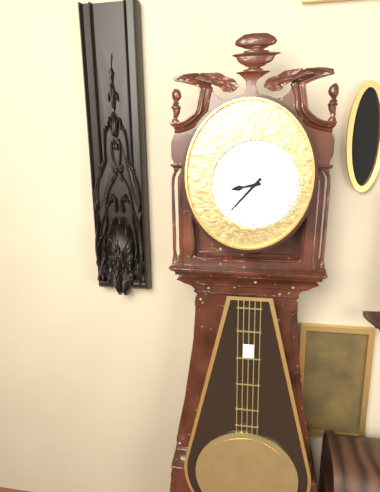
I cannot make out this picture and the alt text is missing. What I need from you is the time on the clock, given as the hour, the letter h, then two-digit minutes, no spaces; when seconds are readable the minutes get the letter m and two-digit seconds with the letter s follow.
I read 8h37
